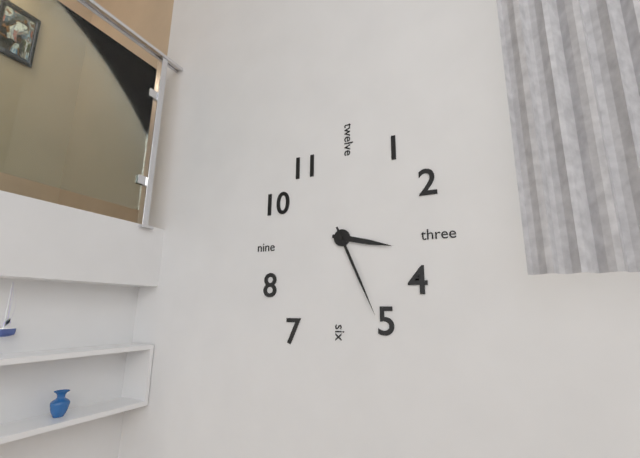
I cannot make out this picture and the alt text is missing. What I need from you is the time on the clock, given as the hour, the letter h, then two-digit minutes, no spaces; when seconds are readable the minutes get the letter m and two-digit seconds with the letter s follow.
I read 3h26
